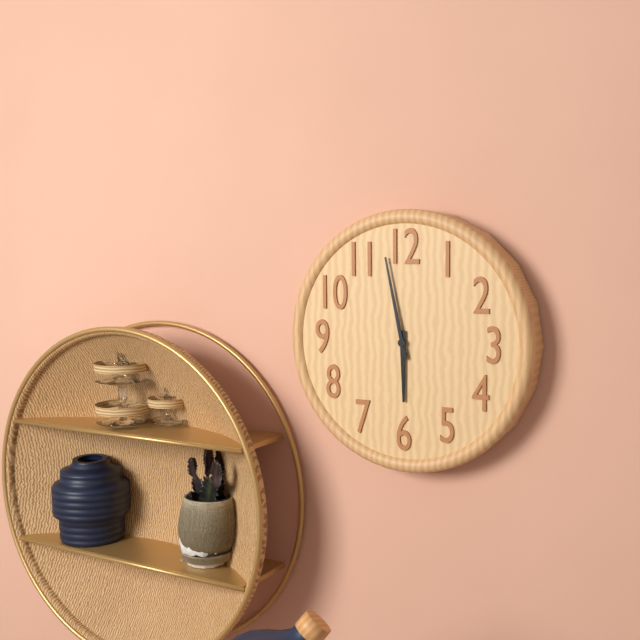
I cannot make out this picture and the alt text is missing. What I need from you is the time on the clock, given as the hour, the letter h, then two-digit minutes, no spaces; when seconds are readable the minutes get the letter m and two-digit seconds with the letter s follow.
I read 5h58
